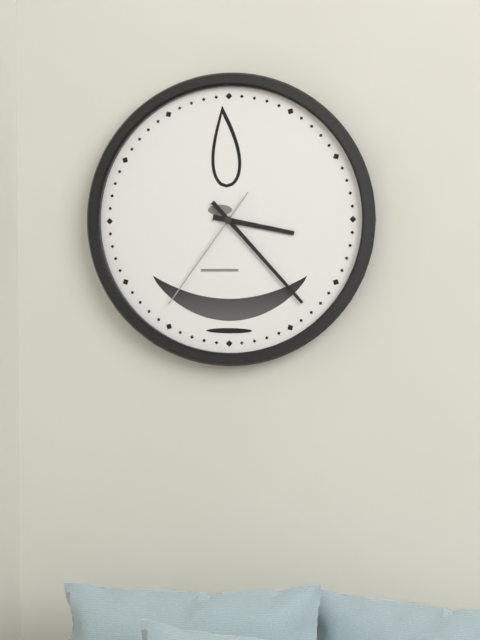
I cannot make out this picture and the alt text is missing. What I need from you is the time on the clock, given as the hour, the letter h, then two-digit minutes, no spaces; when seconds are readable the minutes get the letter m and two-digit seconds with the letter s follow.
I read 3h23m36s
